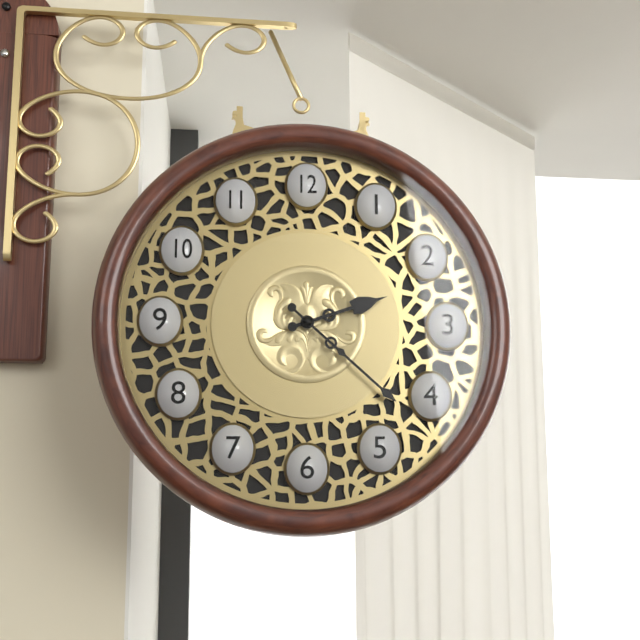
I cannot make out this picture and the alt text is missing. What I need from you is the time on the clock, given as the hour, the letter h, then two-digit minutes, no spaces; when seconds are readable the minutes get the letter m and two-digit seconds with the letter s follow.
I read 2h22
